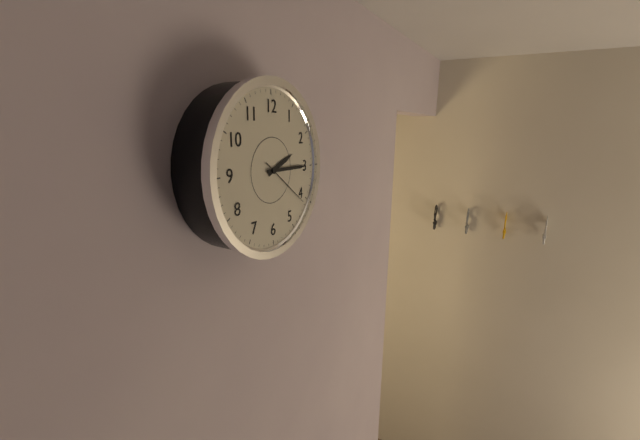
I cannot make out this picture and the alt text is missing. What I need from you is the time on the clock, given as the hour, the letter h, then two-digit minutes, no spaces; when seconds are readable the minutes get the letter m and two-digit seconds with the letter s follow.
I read 2h15m21s
